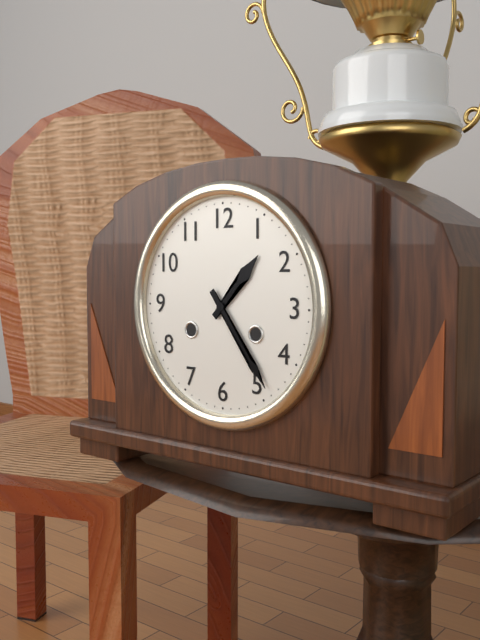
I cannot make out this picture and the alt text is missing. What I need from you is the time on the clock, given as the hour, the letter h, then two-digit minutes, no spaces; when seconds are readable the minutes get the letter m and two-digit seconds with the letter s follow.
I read 1h24
